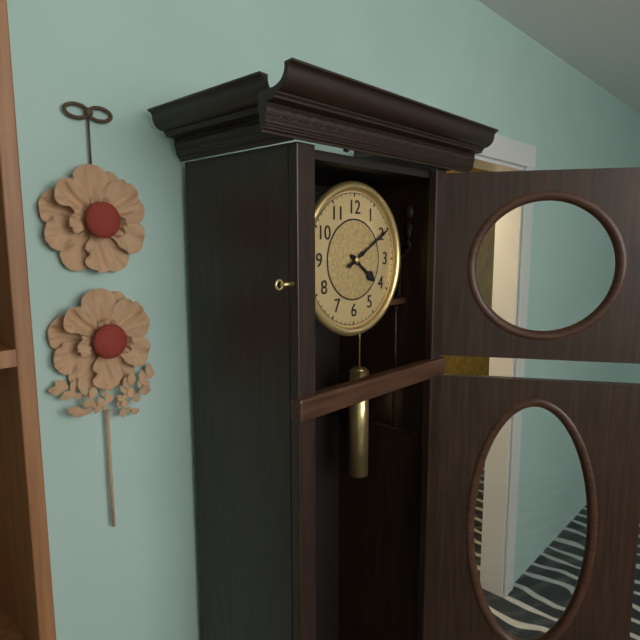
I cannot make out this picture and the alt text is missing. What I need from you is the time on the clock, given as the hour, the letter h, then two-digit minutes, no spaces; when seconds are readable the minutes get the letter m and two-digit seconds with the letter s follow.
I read 4h10
